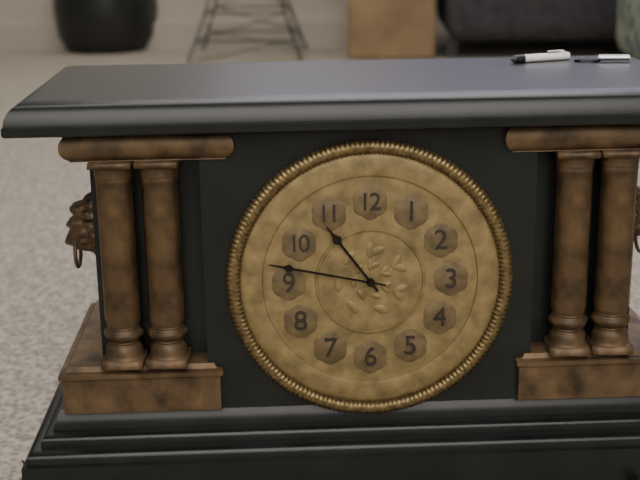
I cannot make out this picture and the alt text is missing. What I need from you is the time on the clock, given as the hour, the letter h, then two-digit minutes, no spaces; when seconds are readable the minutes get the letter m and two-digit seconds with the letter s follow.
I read 10h47
